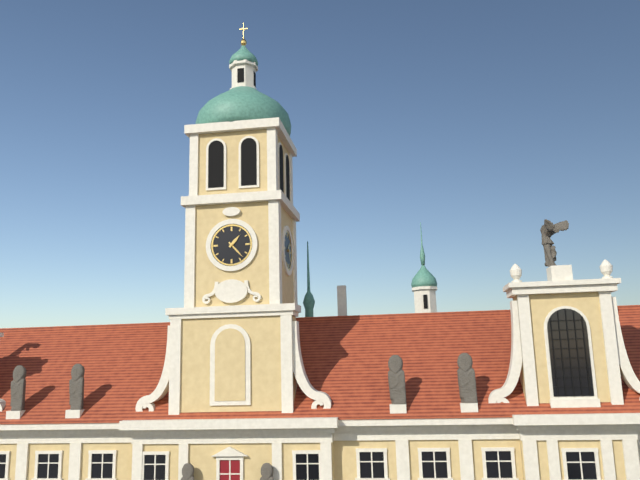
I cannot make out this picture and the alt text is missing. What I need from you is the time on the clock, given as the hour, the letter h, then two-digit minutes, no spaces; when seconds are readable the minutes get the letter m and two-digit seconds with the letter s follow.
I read 1h23
